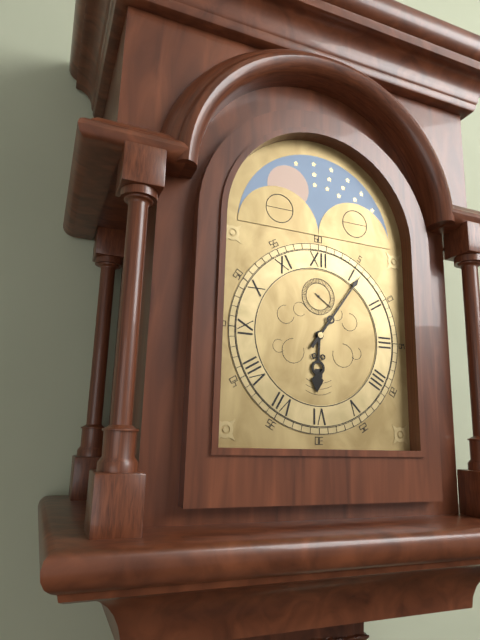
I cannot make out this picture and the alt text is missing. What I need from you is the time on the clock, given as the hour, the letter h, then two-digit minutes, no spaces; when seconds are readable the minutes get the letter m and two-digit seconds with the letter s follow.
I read 6h06
